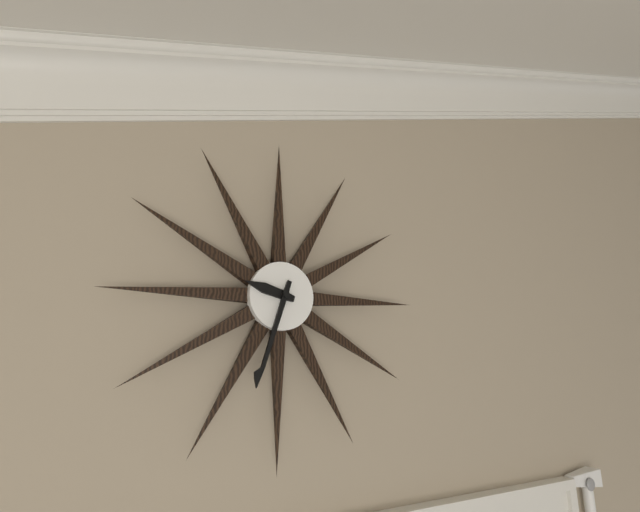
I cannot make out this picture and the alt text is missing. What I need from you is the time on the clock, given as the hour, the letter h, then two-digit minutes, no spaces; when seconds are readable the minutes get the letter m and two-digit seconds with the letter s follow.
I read 9h33
